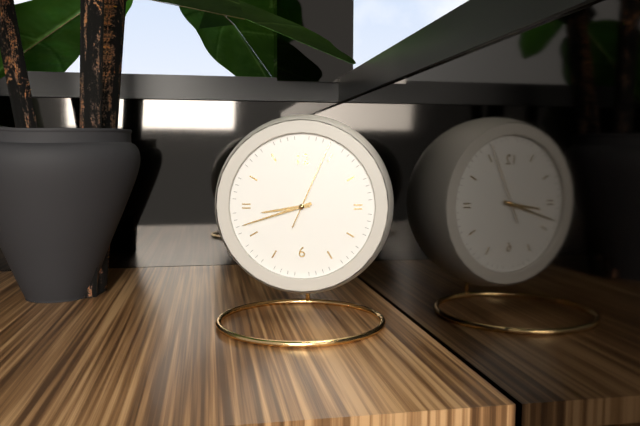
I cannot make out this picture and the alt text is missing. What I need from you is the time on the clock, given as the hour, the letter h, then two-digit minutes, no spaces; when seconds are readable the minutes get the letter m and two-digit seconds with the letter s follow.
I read 8h42m04s
